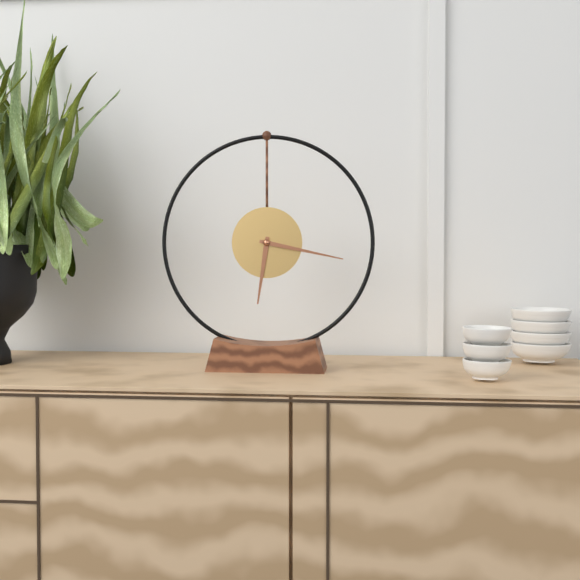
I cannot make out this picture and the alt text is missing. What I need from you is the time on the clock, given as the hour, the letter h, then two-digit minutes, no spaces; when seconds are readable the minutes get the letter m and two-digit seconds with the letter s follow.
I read 6h17
